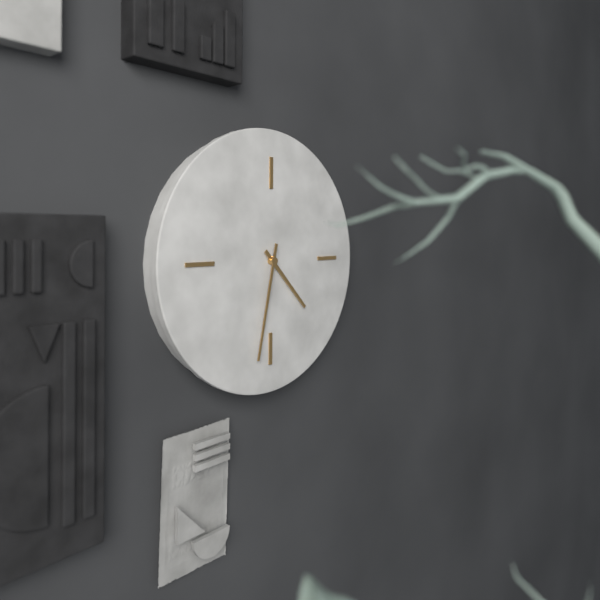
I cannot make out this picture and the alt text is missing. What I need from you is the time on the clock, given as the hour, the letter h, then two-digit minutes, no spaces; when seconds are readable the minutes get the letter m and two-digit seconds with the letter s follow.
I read 4h32
